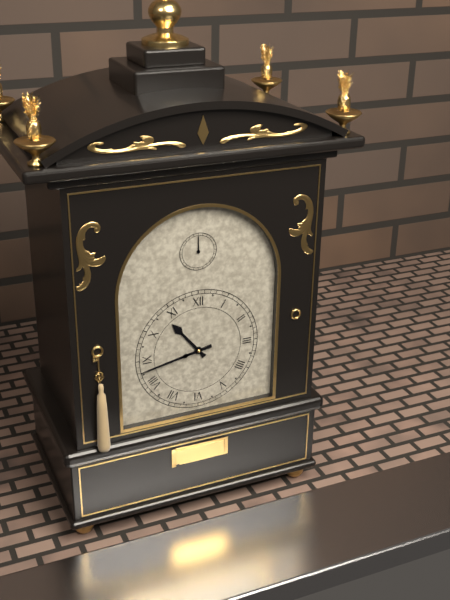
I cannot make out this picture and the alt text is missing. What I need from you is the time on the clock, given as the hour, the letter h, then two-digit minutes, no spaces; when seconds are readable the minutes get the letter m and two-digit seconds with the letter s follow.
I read 10h43
